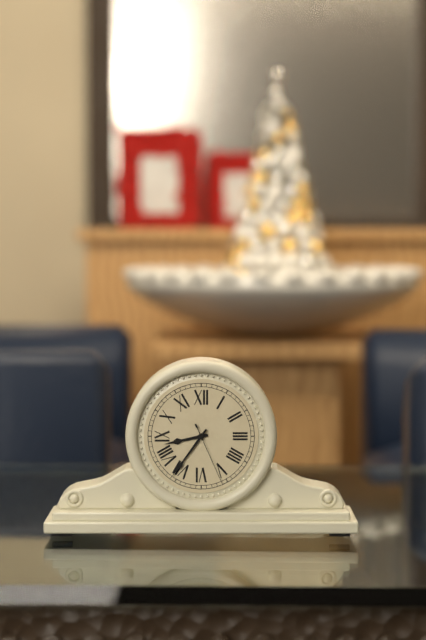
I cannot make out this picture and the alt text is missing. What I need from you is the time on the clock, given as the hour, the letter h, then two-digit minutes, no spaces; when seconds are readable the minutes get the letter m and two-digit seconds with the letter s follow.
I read 8h36m26s
